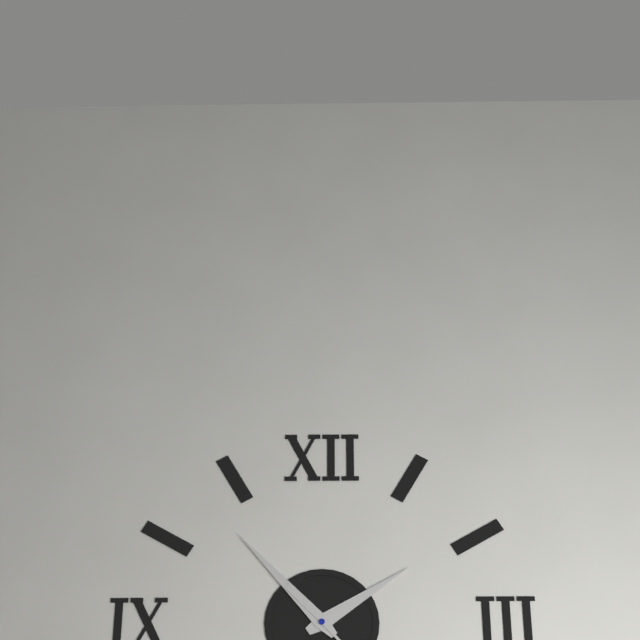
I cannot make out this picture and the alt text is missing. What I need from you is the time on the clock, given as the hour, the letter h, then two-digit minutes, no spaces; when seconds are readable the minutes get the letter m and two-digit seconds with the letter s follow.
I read 1h53
